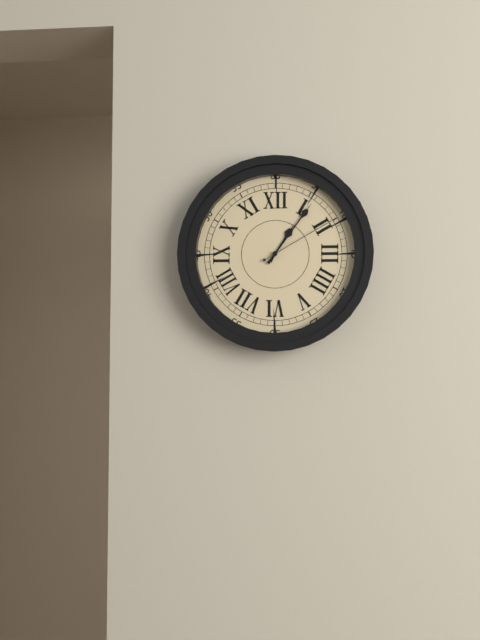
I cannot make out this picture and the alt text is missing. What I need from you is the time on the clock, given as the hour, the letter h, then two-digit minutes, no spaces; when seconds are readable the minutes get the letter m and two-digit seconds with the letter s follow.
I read 1h06m10s
